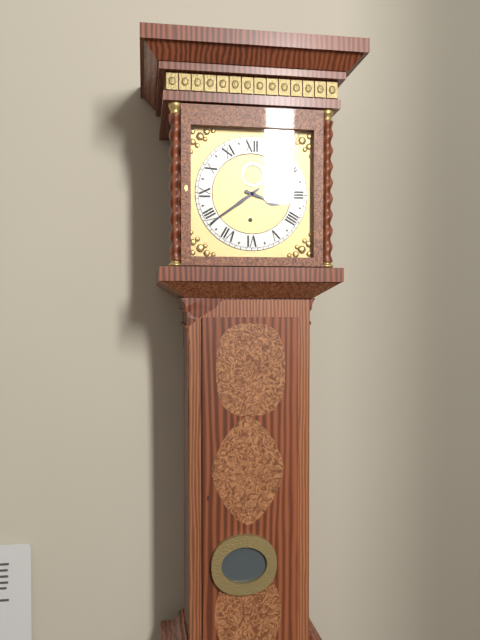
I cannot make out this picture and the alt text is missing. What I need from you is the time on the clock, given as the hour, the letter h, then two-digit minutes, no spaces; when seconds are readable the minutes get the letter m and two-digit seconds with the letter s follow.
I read 3h39
